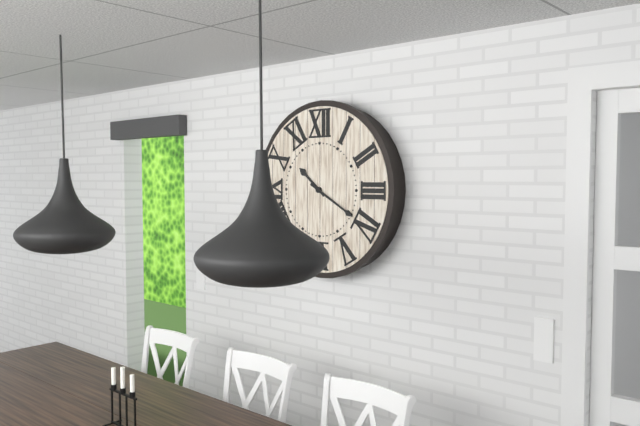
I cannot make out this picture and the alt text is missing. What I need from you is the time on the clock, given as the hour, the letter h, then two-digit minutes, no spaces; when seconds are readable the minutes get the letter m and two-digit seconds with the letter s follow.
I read 10h20
